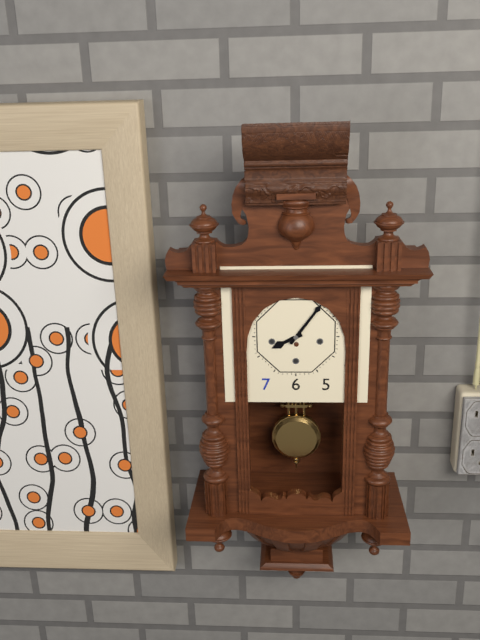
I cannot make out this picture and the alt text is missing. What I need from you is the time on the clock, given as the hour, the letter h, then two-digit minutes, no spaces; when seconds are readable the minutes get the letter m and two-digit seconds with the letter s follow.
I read 8h06
